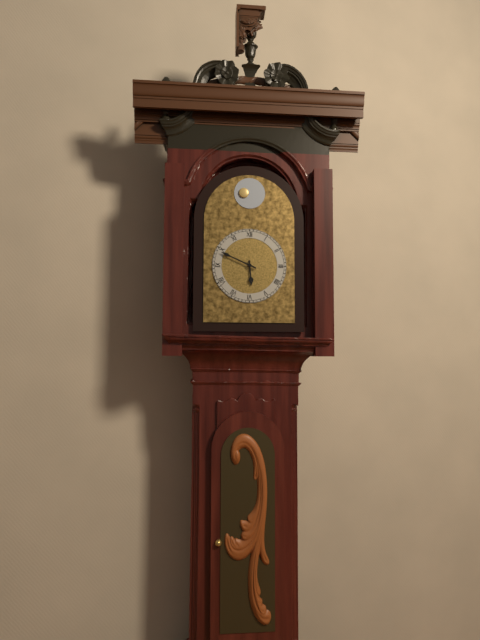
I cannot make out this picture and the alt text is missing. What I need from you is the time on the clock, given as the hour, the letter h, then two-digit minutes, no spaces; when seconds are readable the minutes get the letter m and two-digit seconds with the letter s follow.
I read 5h49
